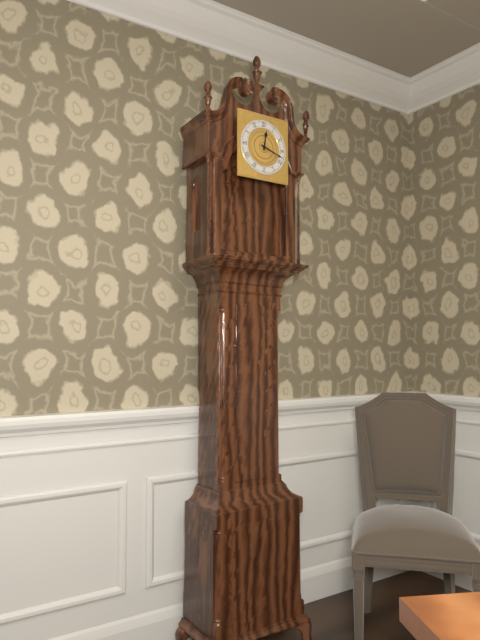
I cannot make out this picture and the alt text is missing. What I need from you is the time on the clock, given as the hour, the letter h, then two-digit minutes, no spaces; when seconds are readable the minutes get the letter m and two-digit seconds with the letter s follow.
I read 12h18
